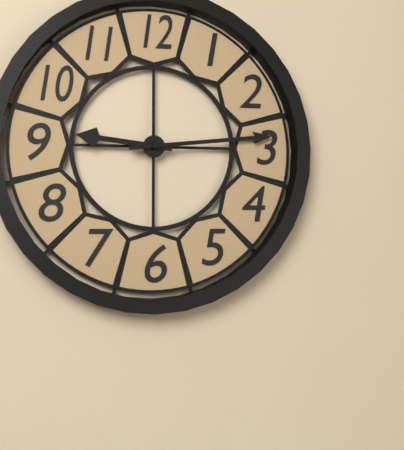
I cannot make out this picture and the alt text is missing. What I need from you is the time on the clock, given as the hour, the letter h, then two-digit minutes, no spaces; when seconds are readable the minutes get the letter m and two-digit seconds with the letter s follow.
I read 9h14
